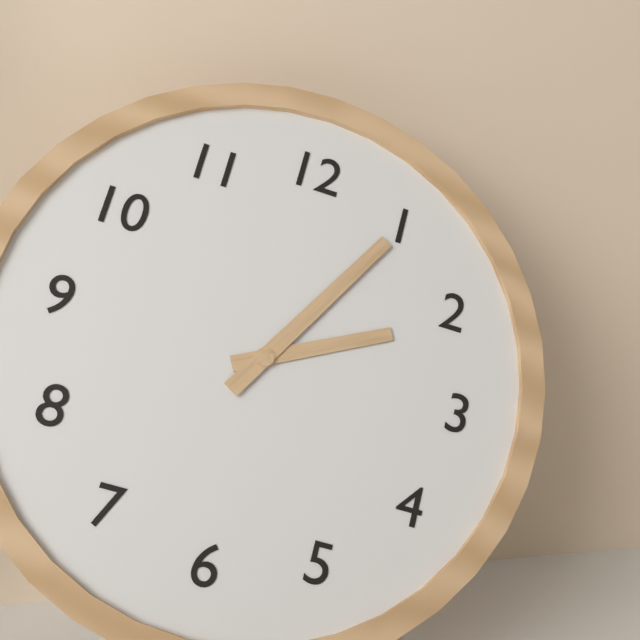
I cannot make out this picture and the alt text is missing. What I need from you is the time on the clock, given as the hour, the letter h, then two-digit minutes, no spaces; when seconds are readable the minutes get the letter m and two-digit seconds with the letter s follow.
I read 2h05
